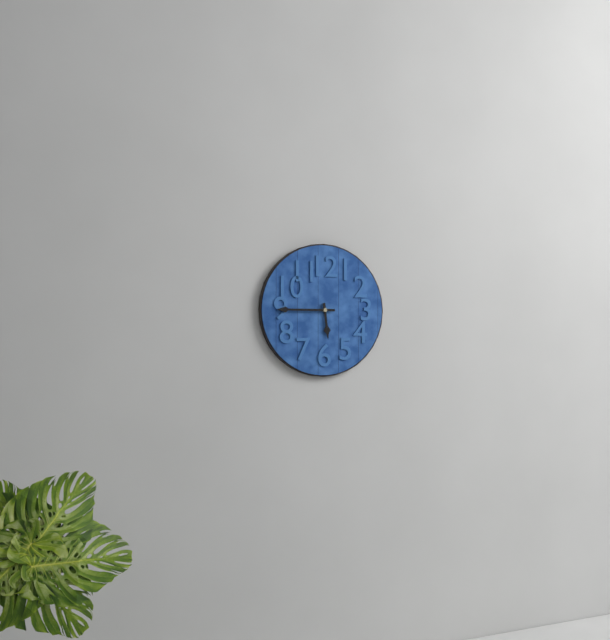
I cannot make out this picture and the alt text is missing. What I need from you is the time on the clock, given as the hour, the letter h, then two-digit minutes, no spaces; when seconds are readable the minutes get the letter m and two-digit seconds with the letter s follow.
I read 5h45
